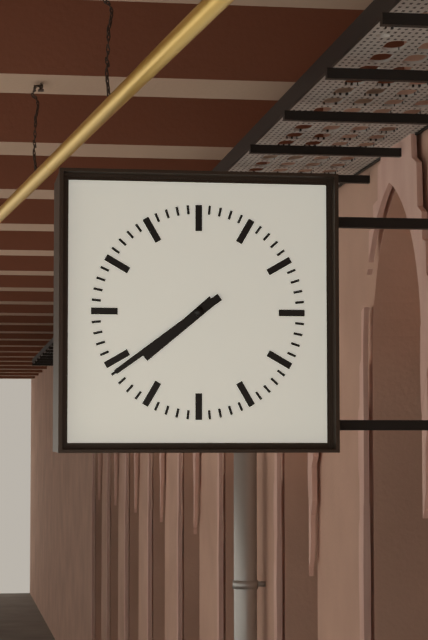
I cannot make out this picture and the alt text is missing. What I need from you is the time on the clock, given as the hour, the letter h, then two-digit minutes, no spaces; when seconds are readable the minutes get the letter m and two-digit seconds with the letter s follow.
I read 7h39
